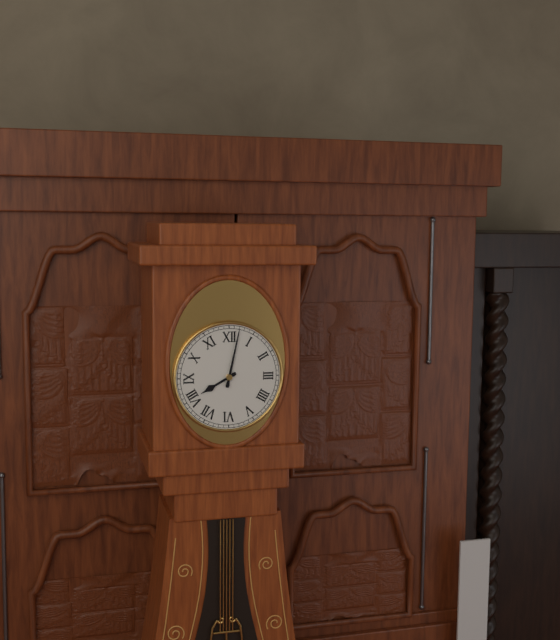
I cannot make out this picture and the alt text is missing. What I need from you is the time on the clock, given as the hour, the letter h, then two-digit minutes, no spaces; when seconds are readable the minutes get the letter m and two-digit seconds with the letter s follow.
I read 8h02
